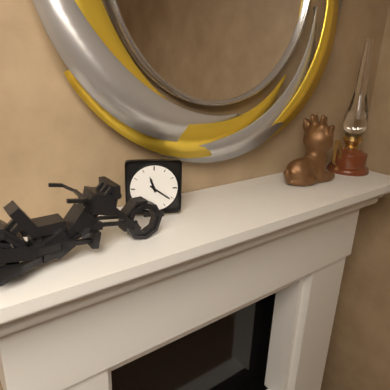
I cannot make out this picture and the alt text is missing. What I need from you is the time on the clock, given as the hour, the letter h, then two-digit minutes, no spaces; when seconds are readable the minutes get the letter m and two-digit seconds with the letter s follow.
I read 11h21
